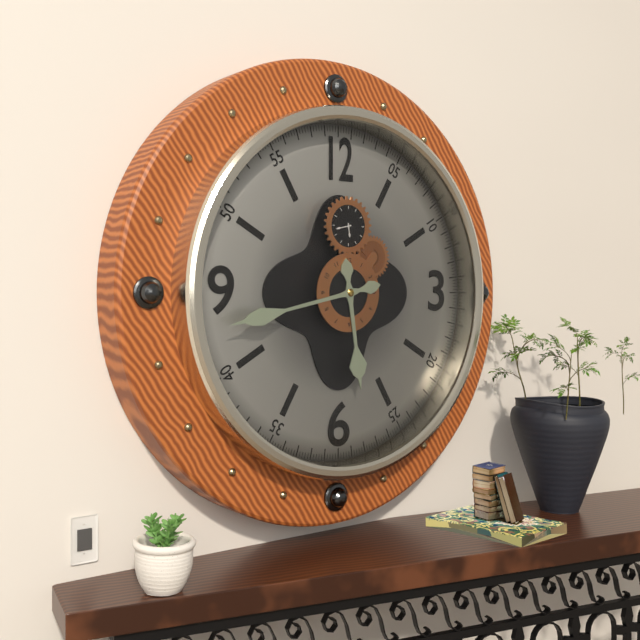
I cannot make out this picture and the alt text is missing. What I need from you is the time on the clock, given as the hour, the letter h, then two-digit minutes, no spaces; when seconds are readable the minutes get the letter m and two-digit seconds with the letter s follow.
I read 5h43
